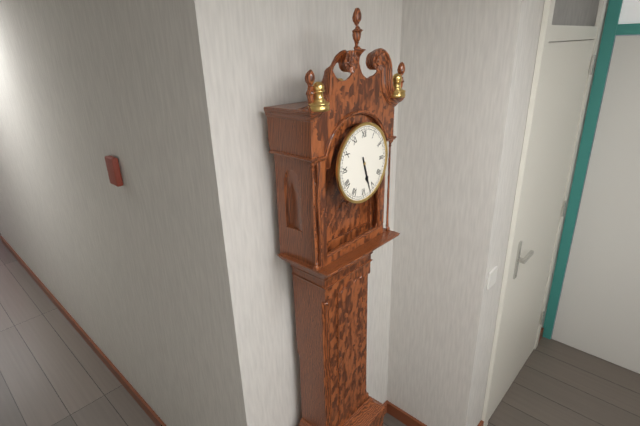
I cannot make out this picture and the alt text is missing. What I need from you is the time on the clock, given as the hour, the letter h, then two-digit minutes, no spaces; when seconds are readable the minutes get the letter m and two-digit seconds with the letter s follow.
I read 5h27
